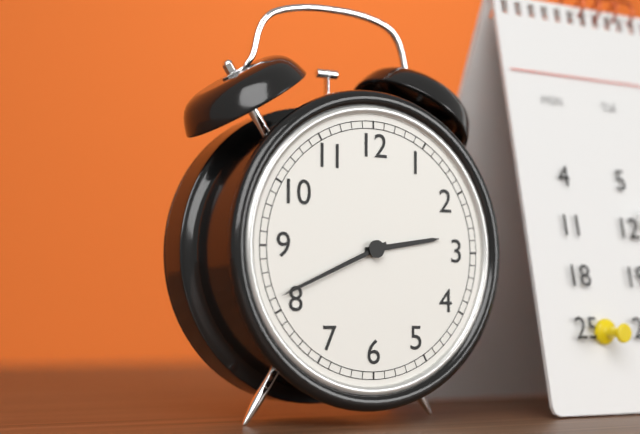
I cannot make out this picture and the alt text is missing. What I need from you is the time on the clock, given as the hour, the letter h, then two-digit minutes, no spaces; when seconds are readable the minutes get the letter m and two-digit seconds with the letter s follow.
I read 2h41
